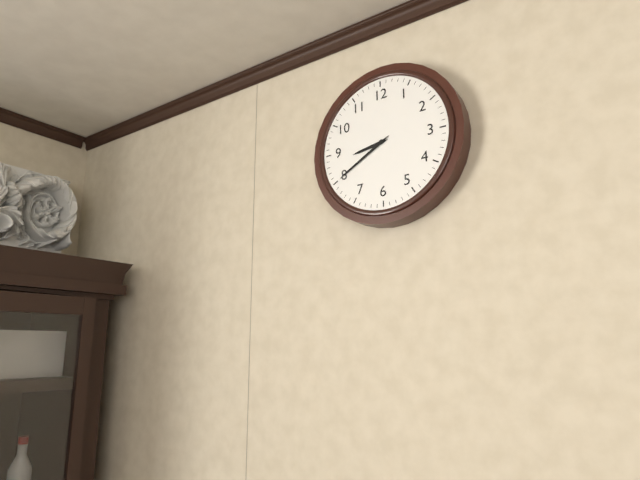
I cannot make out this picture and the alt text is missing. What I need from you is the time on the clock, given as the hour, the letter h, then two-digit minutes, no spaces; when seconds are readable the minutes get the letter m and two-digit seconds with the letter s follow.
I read 8h40
